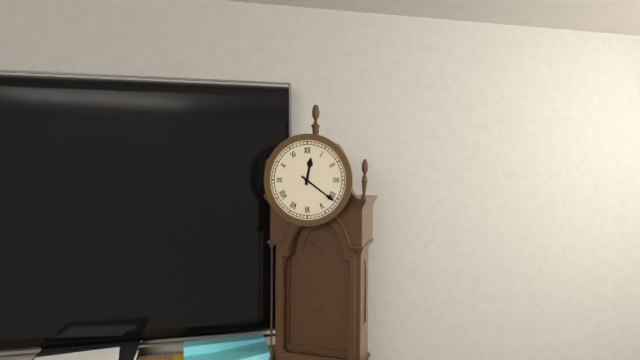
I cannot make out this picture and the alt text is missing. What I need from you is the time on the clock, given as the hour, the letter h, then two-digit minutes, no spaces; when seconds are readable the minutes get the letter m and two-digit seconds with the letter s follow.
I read 12h21
